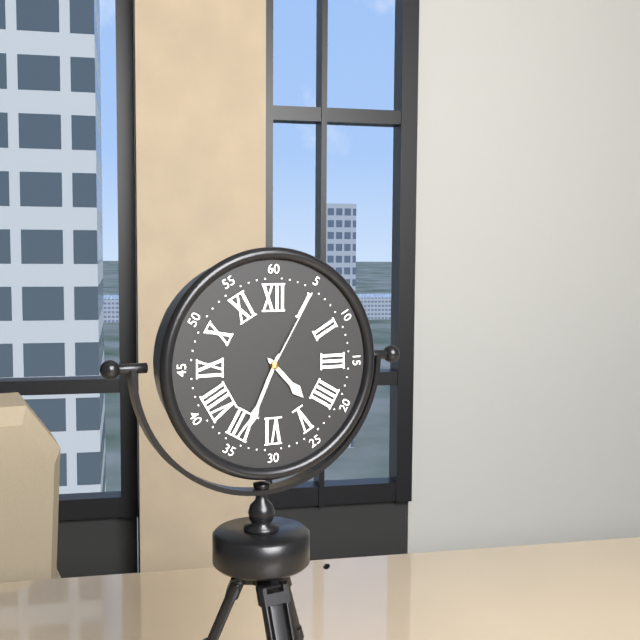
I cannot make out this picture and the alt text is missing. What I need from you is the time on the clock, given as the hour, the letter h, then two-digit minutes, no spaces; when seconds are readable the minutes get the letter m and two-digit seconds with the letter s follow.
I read 4h34m05s
